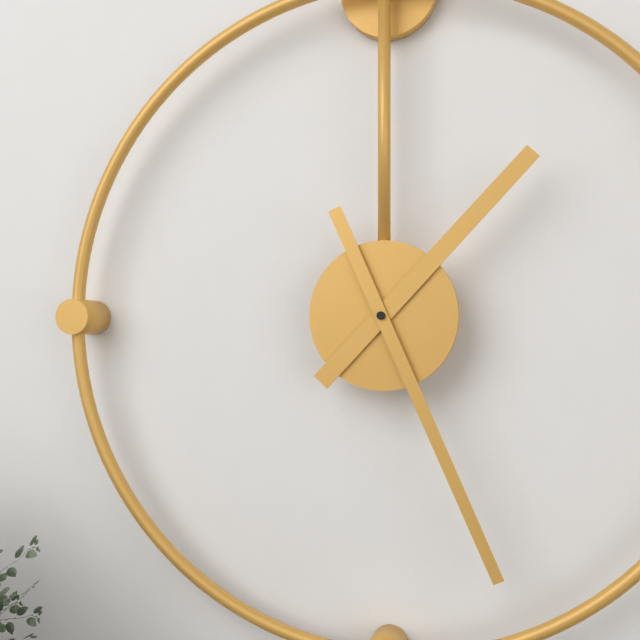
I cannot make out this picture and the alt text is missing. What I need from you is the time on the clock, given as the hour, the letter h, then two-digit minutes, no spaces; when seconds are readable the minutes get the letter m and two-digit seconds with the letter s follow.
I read 1h26
